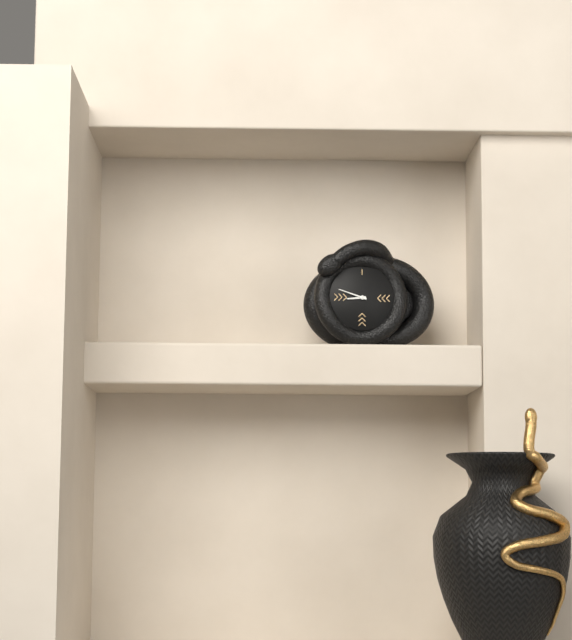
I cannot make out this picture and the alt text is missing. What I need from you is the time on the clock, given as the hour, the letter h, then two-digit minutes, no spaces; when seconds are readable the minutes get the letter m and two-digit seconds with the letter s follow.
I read 8h48
